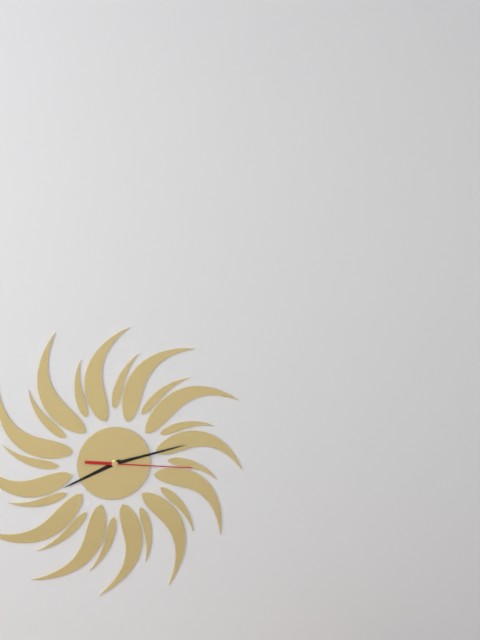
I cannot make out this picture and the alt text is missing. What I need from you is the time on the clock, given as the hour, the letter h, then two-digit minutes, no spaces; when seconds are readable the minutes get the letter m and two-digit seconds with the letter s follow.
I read 8h13m16s
